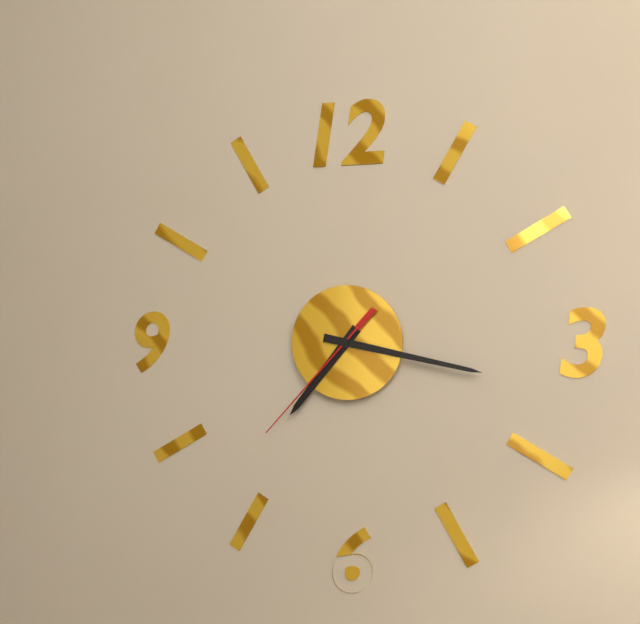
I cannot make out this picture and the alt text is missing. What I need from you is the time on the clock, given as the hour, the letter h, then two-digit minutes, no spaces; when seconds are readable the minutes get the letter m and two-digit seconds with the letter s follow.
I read 7h17m37s
